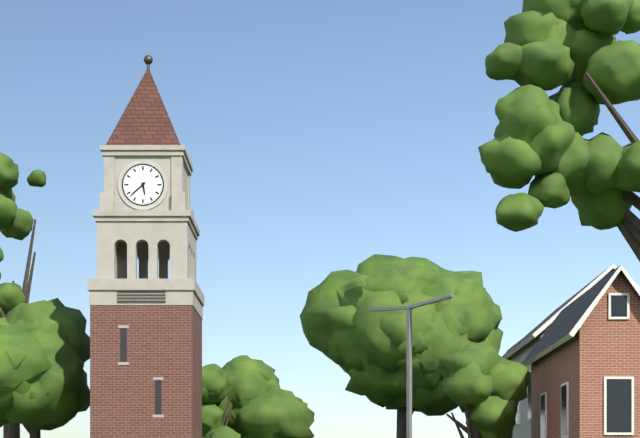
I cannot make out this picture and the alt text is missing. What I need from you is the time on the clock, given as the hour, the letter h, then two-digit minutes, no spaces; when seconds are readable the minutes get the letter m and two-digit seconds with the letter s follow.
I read 5h38
